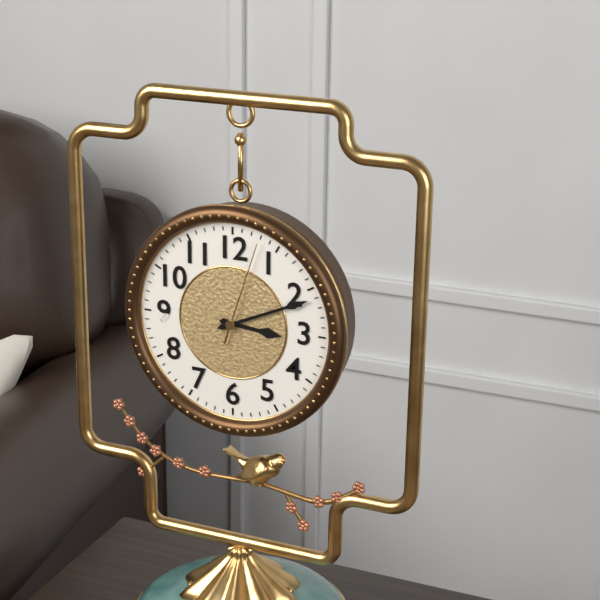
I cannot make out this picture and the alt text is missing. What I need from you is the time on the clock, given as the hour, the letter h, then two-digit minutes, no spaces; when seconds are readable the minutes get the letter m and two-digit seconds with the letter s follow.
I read 3h11m03s
